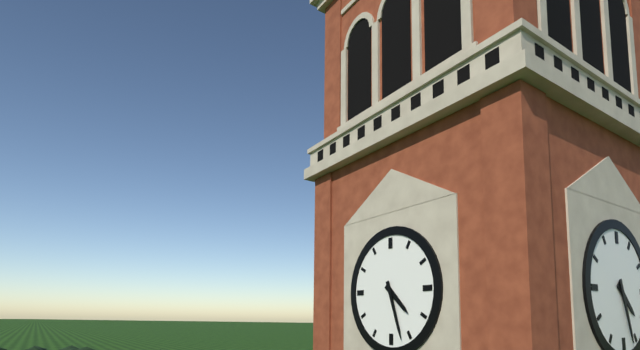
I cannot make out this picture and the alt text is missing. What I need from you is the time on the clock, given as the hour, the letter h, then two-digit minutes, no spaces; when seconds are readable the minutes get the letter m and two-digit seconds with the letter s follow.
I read 4h27
